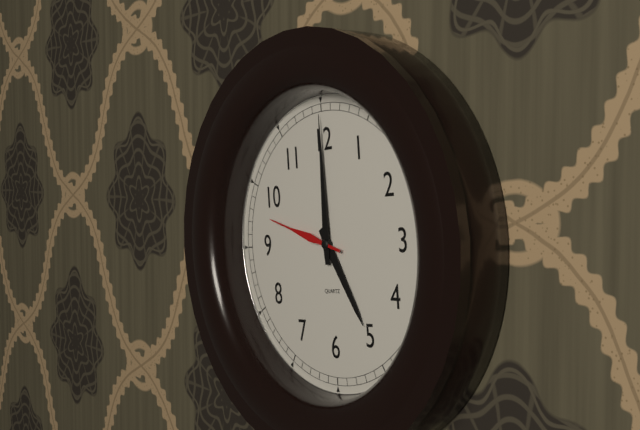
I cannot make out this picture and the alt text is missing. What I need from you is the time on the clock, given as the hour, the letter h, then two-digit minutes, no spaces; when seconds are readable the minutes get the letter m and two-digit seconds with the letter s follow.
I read 5h00m48s
